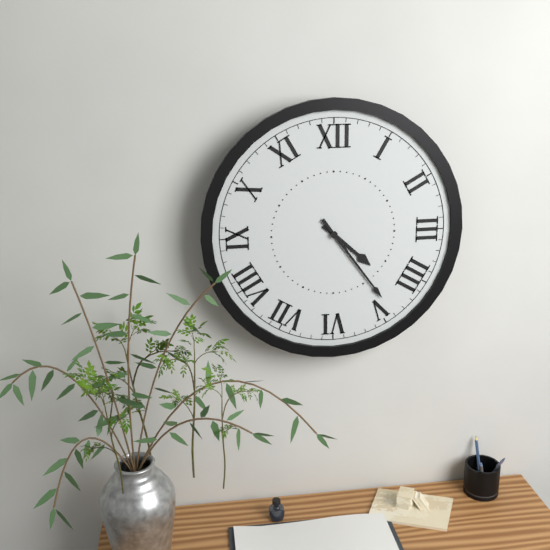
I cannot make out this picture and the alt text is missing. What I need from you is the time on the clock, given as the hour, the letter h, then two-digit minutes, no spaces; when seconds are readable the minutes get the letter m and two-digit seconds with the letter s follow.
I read 4h24
